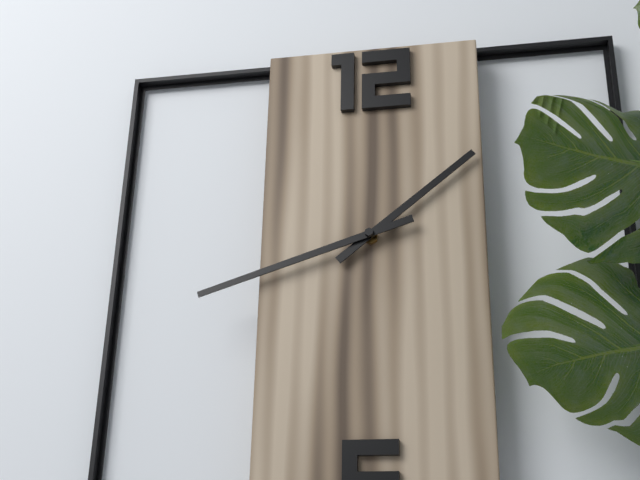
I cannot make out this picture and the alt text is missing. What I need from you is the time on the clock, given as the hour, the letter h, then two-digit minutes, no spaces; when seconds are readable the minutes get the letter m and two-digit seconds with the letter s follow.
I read 1h42
